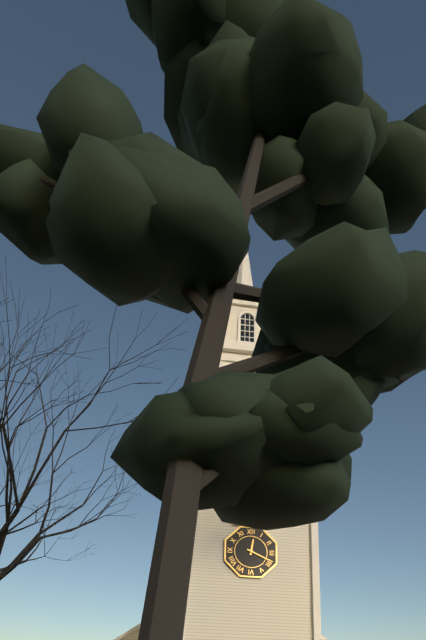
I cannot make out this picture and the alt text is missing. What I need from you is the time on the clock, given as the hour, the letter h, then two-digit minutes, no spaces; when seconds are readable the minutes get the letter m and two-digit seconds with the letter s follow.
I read 12h19
